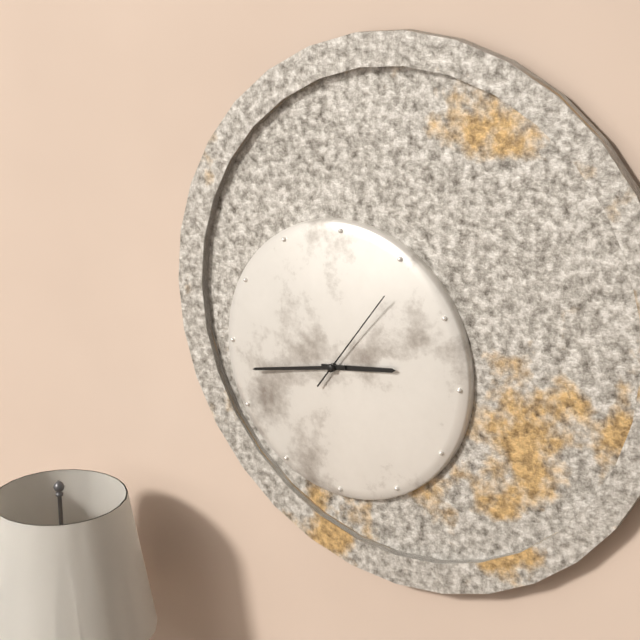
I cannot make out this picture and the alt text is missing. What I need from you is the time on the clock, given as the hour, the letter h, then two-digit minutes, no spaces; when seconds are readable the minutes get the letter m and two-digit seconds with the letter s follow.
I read 2h43m06s
